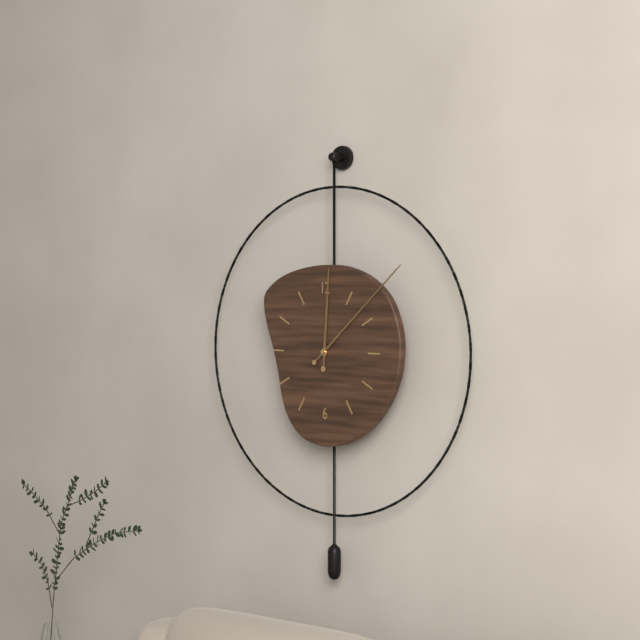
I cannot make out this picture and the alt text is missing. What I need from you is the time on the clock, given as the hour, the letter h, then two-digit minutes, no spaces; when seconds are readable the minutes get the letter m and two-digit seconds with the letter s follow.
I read 12h08
